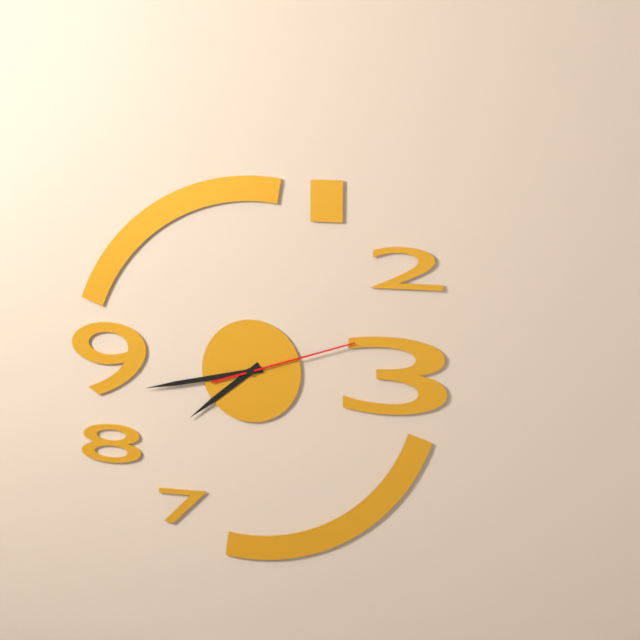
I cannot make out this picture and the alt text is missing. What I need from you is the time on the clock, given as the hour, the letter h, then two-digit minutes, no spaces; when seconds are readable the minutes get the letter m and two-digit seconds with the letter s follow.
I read 7h43m12s
